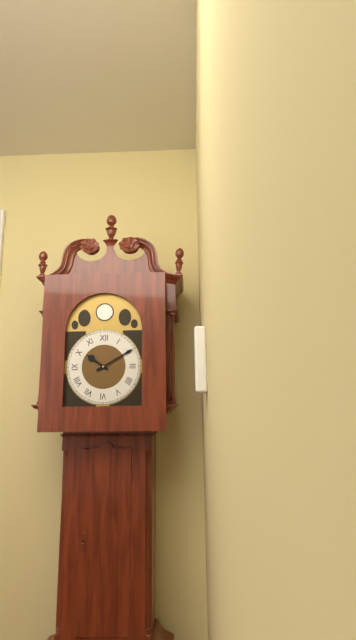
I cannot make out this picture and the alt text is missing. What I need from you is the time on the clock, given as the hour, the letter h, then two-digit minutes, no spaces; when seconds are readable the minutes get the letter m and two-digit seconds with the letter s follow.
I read 10h10
